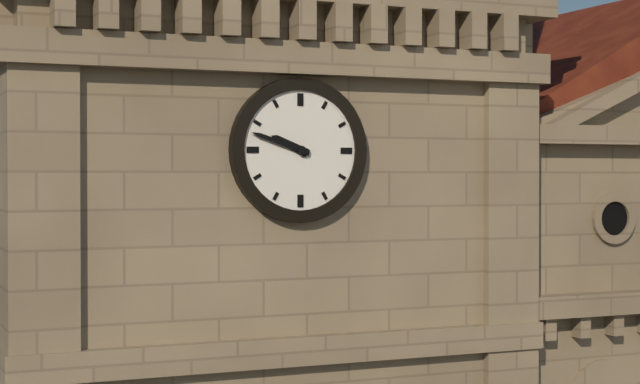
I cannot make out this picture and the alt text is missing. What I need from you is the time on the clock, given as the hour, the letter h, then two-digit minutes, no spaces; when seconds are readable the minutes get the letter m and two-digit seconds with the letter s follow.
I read 9h48
